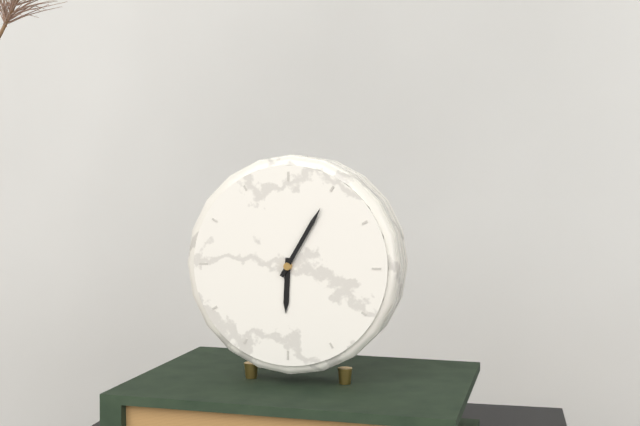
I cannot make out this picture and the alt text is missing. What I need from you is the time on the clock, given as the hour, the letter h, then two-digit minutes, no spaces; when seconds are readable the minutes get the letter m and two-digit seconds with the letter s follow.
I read 6h05
